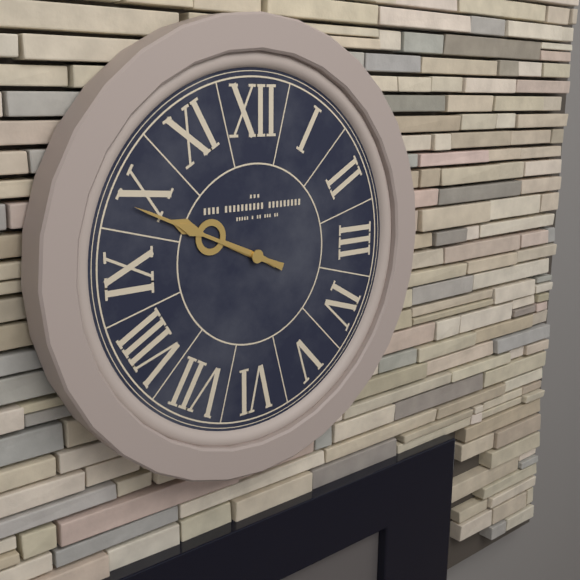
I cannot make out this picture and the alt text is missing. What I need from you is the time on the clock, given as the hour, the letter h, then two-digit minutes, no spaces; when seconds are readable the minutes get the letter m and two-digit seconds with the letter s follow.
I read 9h49
